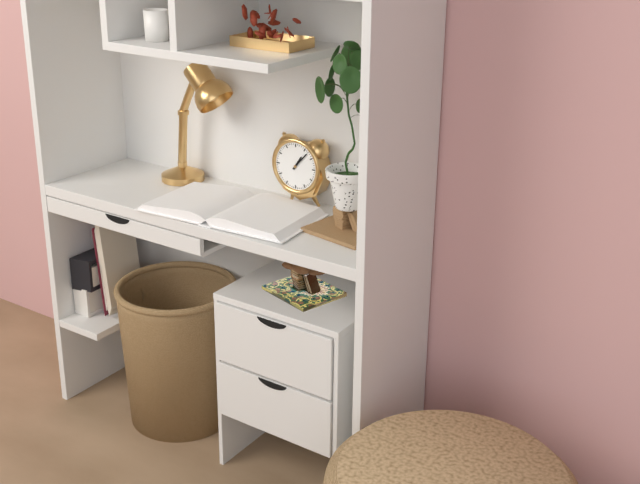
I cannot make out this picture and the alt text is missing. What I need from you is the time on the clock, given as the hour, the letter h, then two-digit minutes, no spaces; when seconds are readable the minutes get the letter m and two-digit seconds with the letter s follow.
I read 1h07
